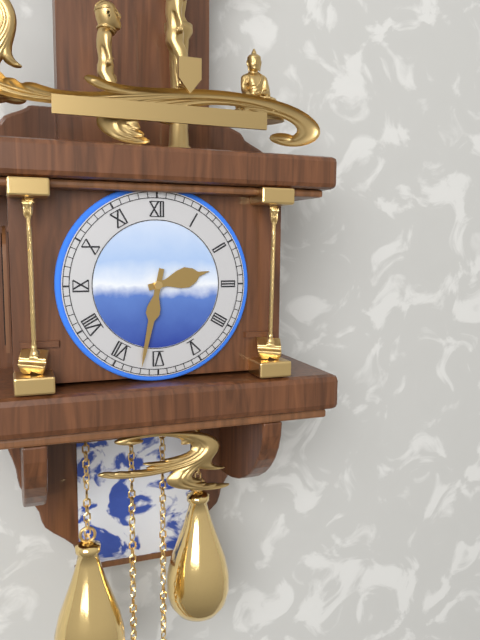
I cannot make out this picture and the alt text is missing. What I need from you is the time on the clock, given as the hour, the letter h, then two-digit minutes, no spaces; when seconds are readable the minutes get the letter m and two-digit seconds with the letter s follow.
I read 2h32
